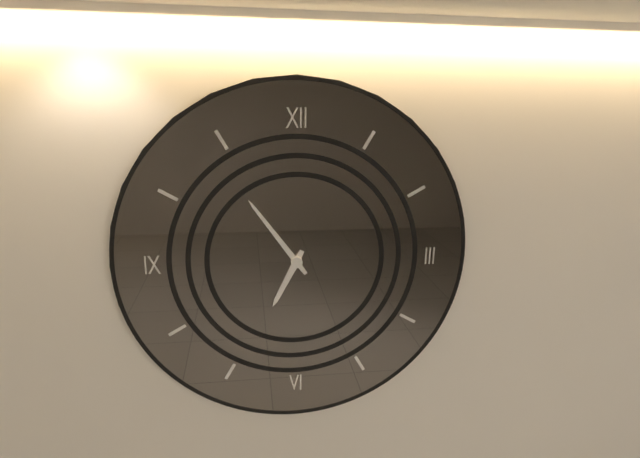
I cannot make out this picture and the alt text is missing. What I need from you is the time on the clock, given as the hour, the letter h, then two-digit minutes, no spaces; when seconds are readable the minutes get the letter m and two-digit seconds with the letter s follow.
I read 6h54
